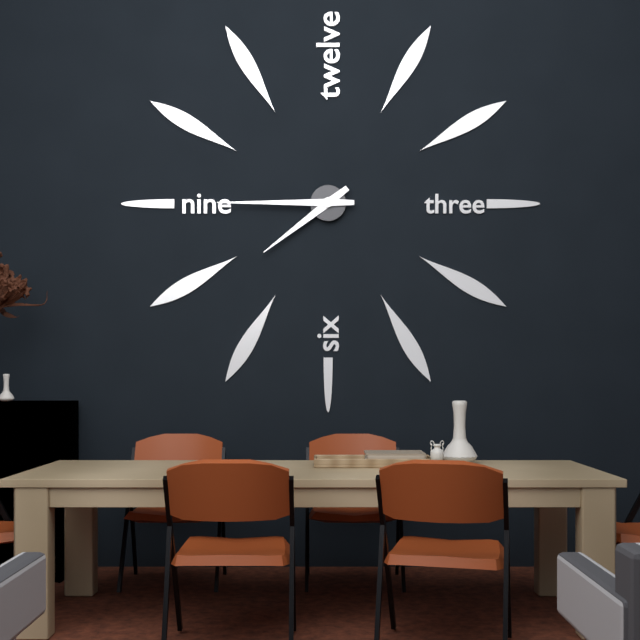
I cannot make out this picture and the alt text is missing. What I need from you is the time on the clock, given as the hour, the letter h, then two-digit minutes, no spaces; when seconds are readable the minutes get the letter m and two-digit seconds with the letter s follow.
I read 7h45
